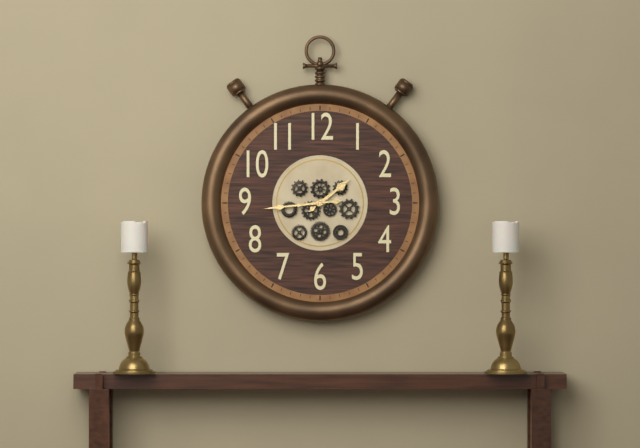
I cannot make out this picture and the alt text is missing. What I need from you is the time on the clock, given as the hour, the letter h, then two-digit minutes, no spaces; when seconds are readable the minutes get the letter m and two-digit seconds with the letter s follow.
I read 1h44
